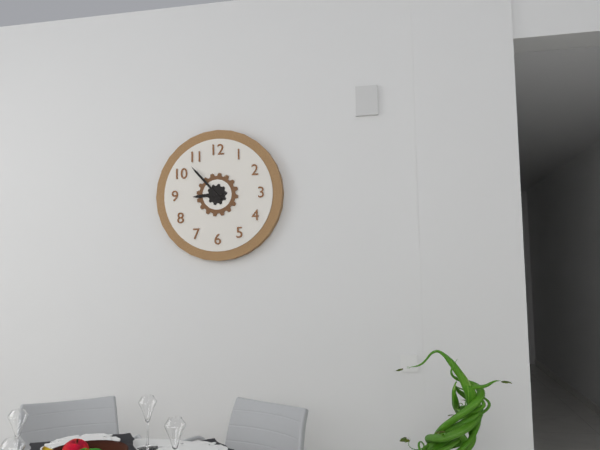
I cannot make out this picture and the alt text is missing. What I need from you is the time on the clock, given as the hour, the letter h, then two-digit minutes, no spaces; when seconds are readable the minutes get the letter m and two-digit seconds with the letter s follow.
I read 8h53
